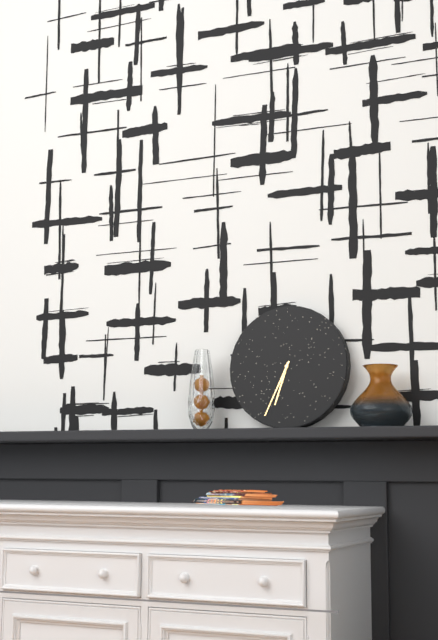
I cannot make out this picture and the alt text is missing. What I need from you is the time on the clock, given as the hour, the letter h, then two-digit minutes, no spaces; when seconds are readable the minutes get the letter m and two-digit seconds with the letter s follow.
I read 6h34
